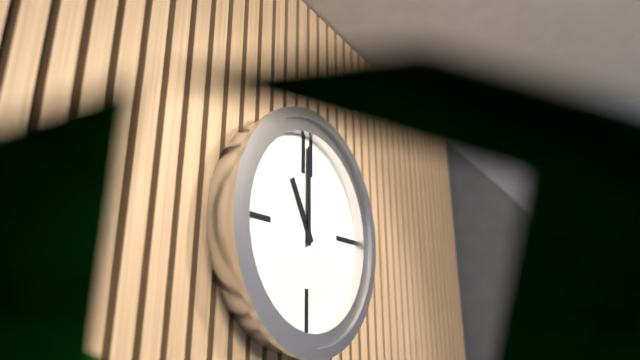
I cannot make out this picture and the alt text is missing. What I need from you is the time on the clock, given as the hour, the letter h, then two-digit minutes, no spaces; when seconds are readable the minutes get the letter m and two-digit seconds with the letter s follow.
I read 11h00
